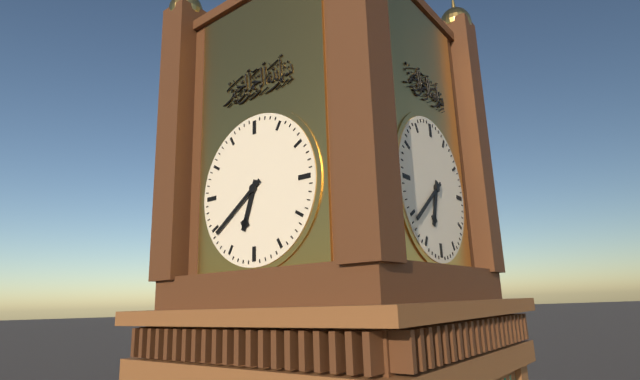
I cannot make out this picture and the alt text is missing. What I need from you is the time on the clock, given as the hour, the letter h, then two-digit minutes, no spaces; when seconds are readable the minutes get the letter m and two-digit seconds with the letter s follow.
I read 6h39
